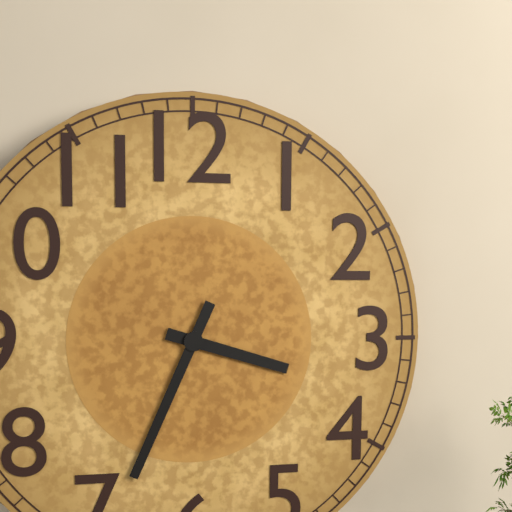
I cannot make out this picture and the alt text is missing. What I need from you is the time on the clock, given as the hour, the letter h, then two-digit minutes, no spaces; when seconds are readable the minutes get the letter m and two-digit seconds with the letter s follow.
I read 3h34
